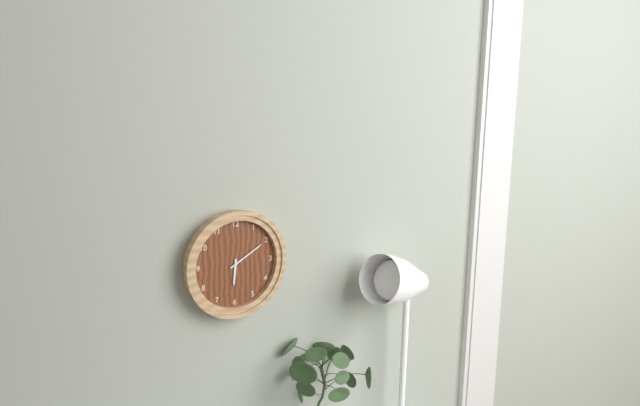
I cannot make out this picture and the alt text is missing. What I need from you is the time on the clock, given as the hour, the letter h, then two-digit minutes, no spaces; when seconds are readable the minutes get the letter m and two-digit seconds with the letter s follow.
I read 6h10
